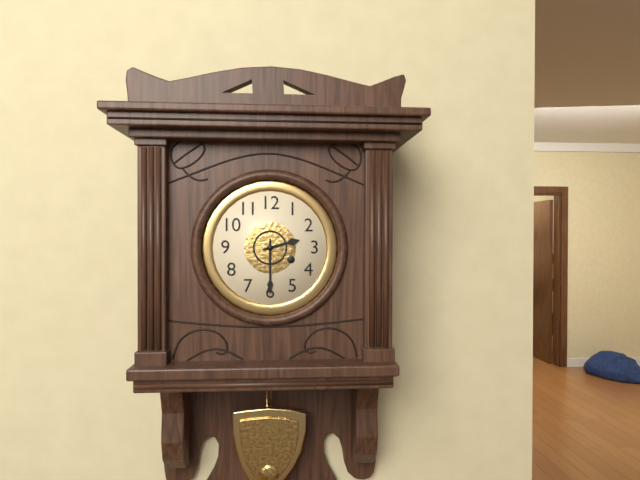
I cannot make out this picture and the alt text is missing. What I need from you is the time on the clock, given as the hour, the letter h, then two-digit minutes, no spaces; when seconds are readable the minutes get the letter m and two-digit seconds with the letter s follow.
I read 2h30
